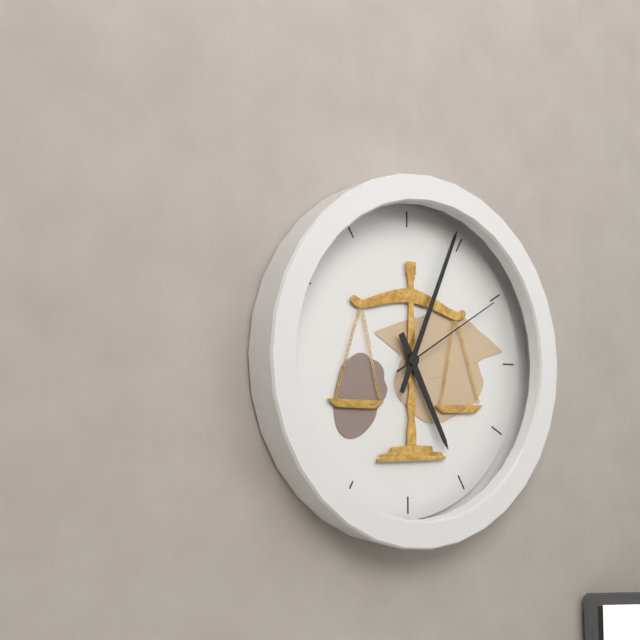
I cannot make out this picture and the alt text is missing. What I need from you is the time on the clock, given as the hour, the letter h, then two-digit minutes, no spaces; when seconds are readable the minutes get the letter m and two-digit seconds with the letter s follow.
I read 5h04m10s
